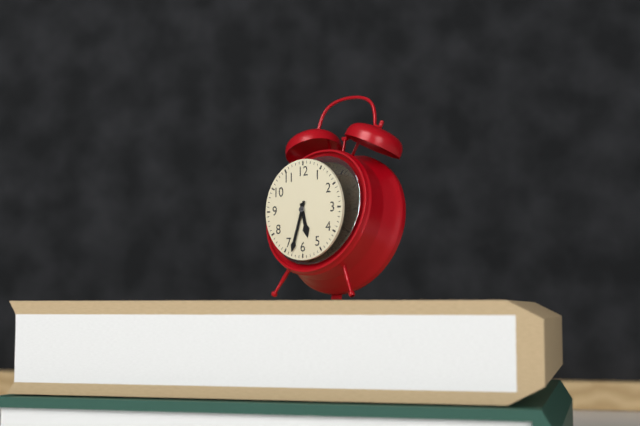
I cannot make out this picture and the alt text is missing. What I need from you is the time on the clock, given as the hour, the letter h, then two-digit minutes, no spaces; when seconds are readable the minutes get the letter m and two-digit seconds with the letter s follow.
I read 5h33
